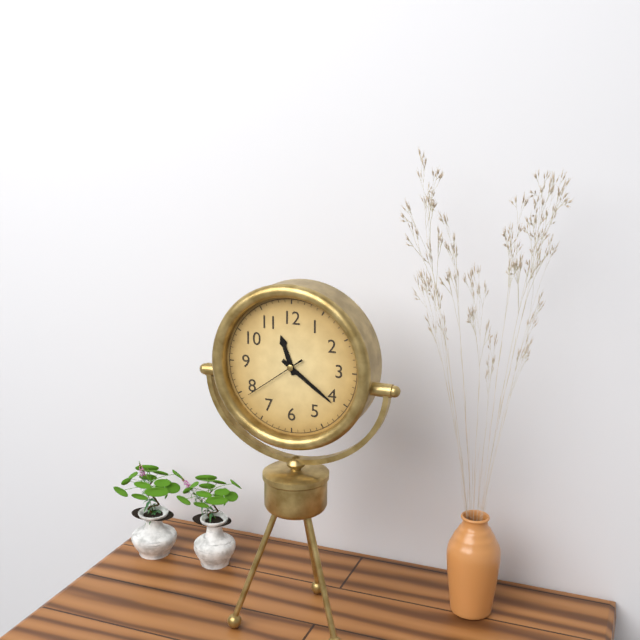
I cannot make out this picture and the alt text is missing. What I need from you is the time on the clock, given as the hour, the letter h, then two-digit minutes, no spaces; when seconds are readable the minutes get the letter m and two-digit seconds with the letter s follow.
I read 11h21m39s
